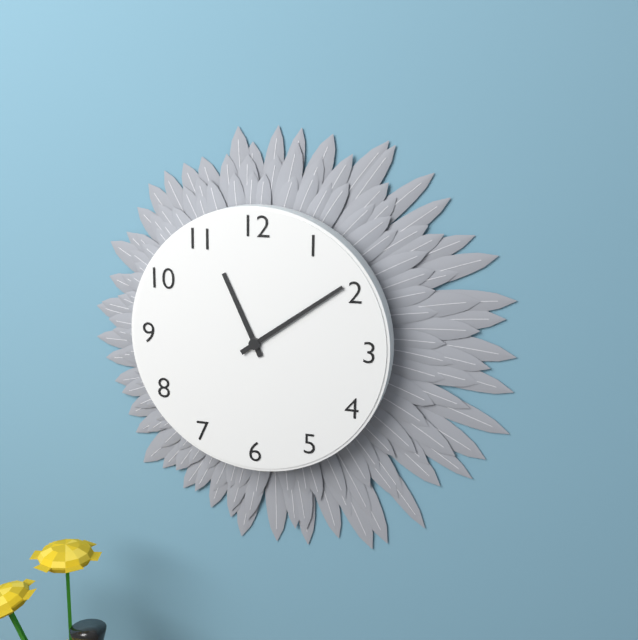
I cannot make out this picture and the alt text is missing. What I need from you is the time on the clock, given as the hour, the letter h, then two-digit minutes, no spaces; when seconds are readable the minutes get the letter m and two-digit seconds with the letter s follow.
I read 11h09
